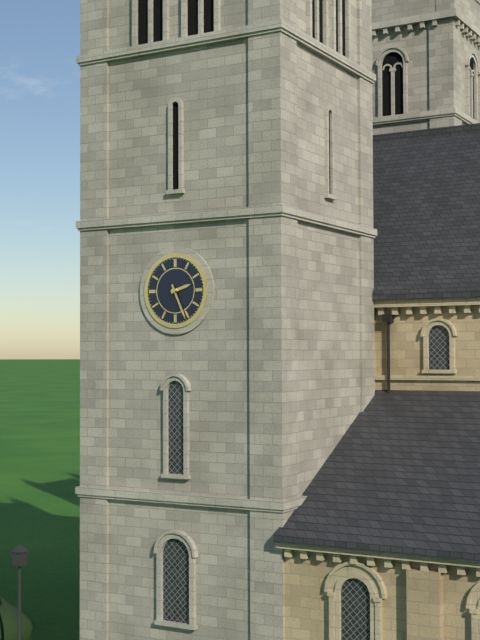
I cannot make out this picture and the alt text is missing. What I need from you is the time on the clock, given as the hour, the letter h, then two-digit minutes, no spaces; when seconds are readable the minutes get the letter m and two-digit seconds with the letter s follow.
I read 2h26
